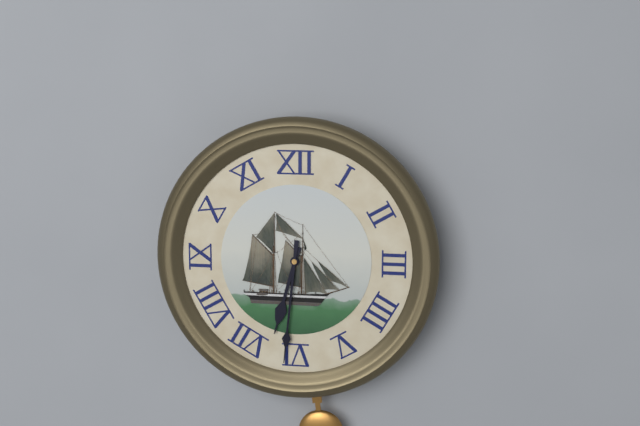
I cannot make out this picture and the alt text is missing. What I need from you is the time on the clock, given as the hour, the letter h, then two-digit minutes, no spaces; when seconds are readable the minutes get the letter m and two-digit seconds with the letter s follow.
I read 6h31
